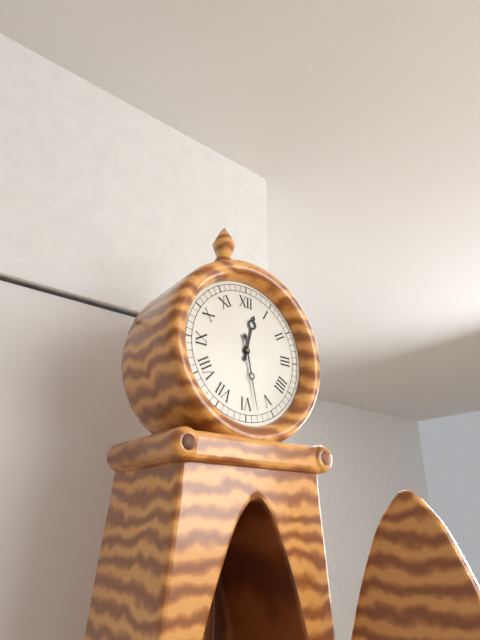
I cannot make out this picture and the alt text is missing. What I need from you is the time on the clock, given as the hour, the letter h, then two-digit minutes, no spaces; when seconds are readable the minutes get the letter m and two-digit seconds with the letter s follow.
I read 12h28
